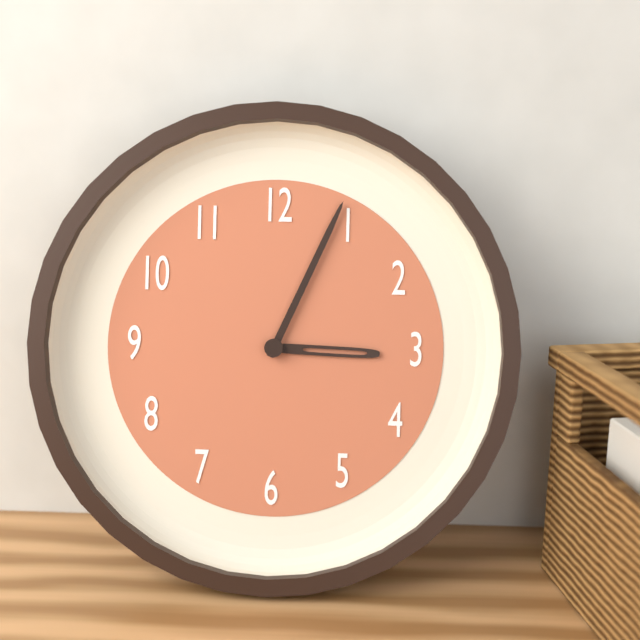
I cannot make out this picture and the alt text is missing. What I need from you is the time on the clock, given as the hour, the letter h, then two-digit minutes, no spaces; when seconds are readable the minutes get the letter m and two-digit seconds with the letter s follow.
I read 3h04
